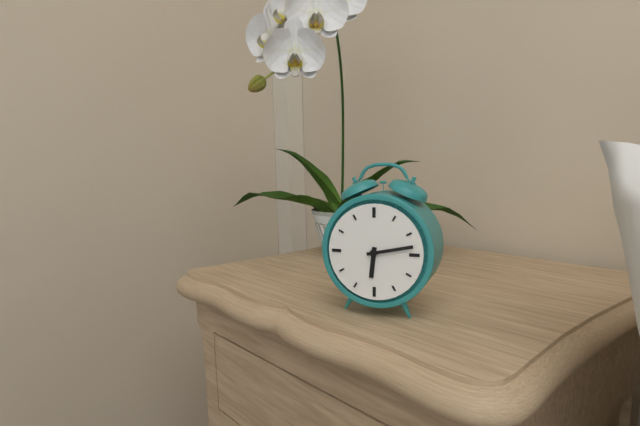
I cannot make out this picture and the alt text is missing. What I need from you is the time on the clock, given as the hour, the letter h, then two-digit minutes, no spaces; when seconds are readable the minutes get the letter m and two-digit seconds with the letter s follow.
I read 6h13
